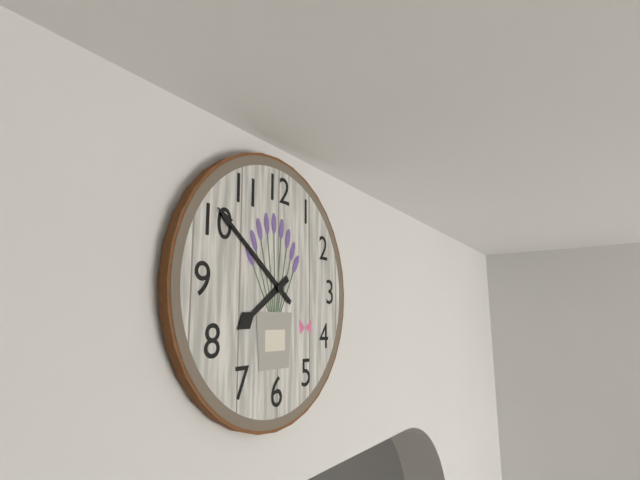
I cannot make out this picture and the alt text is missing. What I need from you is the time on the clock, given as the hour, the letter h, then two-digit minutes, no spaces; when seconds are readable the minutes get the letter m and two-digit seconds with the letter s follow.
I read 7h51
